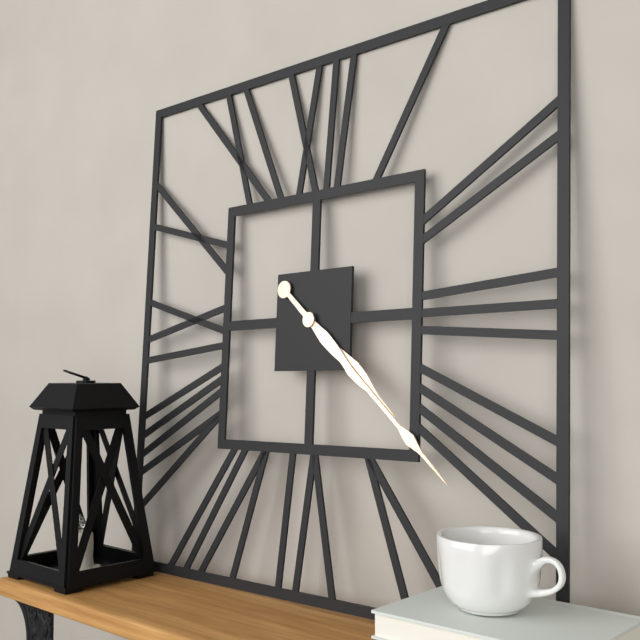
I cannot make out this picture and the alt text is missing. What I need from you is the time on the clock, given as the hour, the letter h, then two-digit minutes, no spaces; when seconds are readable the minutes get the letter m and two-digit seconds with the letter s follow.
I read 4h22
